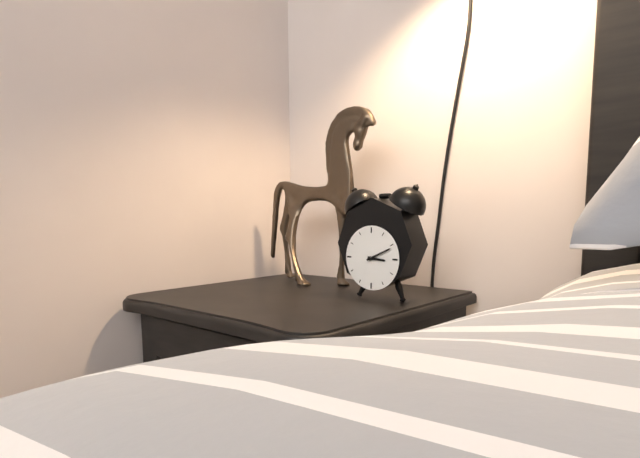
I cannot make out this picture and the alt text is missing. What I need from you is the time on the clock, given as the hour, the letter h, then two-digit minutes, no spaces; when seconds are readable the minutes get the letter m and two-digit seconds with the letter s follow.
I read 3h11
